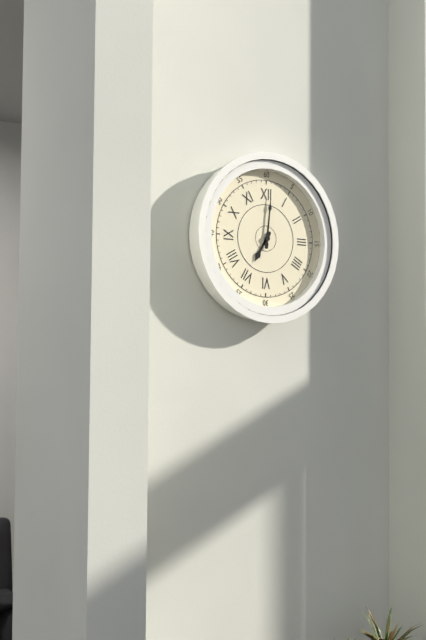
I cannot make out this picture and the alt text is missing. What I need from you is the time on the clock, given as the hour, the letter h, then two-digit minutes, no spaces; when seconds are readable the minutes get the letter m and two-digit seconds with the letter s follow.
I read 7h01
